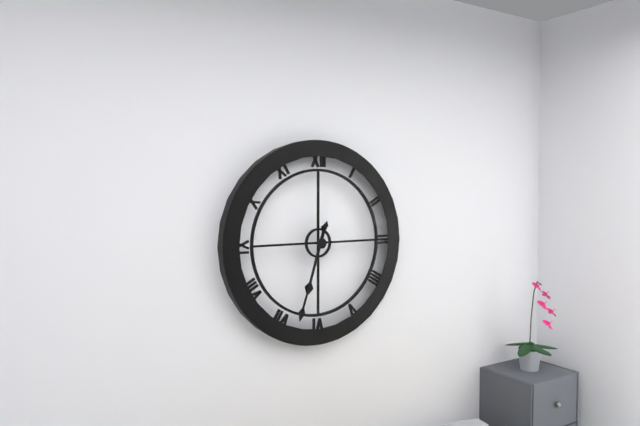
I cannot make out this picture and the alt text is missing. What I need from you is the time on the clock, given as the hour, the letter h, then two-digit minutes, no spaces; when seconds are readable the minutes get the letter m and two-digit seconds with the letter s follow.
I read 6h33
